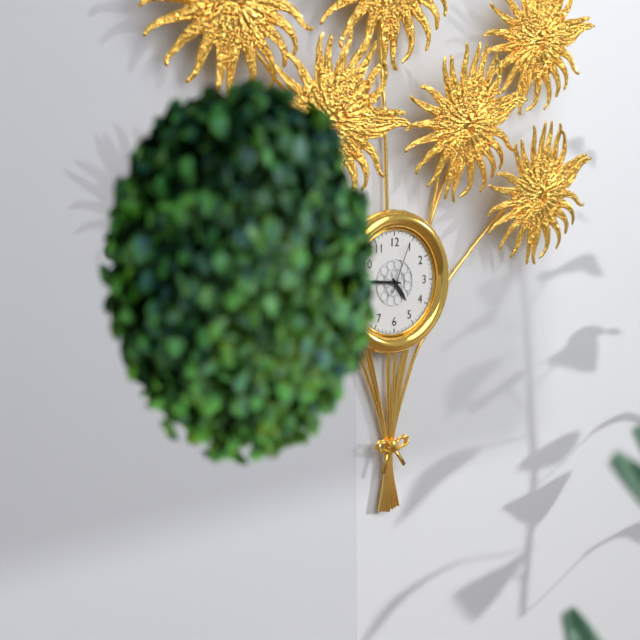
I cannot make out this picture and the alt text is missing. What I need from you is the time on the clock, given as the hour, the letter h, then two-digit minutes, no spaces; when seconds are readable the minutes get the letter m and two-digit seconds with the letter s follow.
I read 4h46m04s
